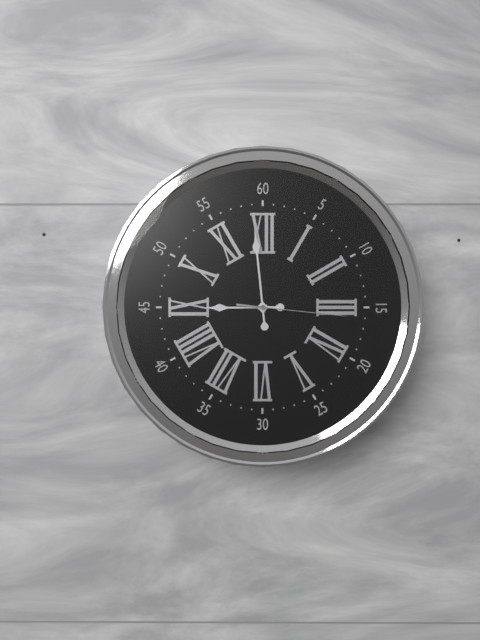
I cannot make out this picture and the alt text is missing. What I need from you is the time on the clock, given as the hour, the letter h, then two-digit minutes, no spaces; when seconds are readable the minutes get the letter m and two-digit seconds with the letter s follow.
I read 8h59m16s
